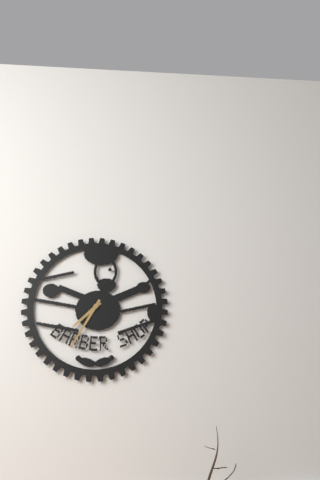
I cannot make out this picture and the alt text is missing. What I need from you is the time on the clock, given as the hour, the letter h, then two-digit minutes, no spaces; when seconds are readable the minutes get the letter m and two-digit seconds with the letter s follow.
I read 7h35
